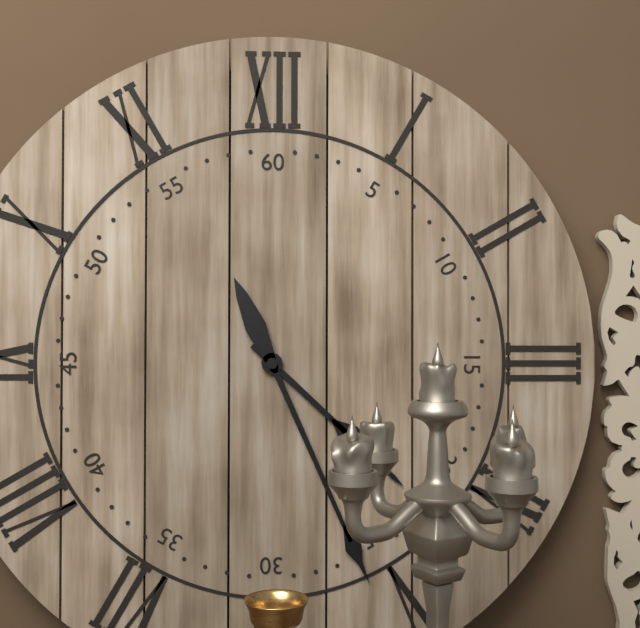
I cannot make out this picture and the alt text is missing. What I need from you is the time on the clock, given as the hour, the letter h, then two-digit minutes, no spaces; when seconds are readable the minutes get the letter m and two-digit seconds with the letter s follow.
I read 4h26
